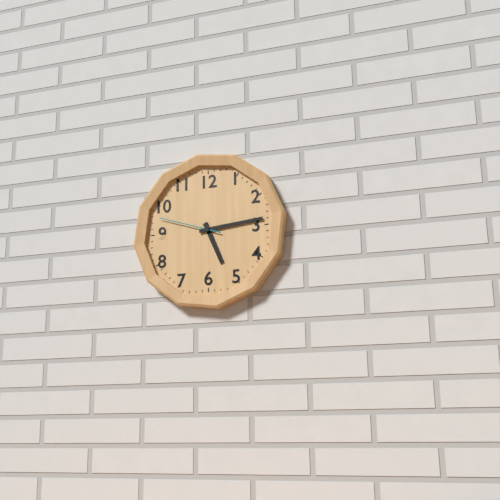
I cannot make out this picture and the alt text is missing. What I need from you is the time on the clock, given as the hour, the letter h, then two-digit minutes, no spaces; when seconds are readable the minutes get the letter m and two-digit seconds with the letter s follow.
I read 5h14m48s
